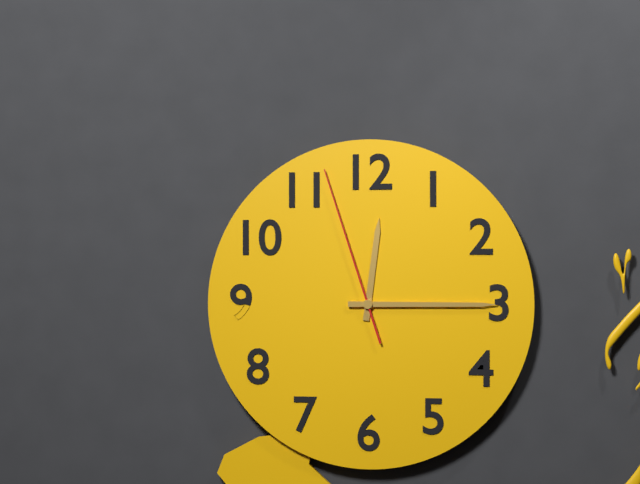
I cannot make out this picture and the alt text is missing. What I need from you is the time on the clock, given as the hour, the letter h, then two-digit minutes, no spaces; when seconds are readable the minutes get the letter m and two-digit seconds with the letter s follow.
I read 12h15m57s
